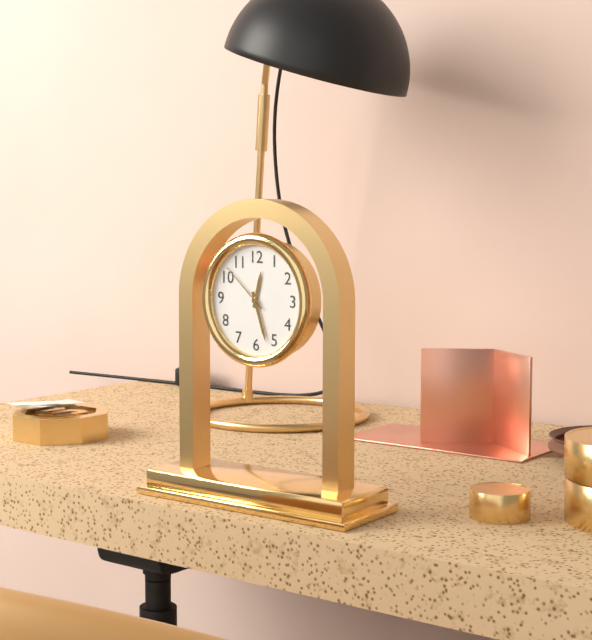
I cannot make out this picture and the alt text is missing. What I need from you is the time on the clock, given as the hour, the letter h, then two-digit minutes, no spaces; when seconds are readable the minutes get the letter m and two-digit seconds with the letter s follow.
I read 12h27m52s
